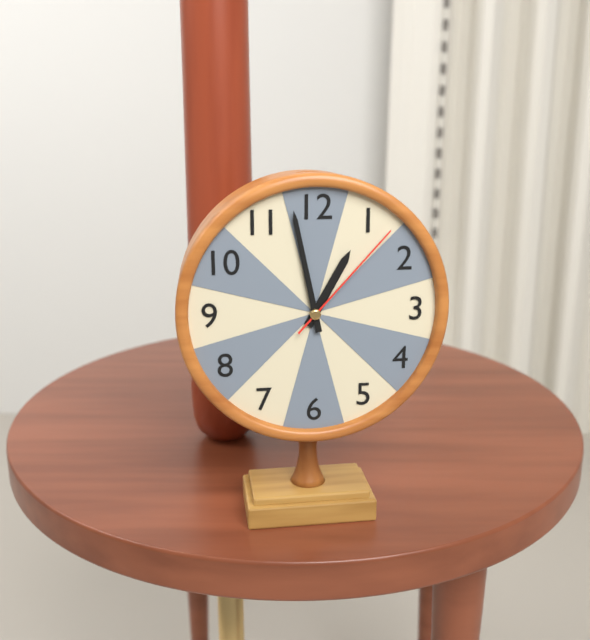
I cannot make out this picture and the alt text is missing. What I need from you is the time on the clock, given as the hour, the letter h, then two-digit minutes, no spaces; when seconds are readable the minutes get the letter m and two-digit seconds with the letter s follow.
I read 12h58m07s
